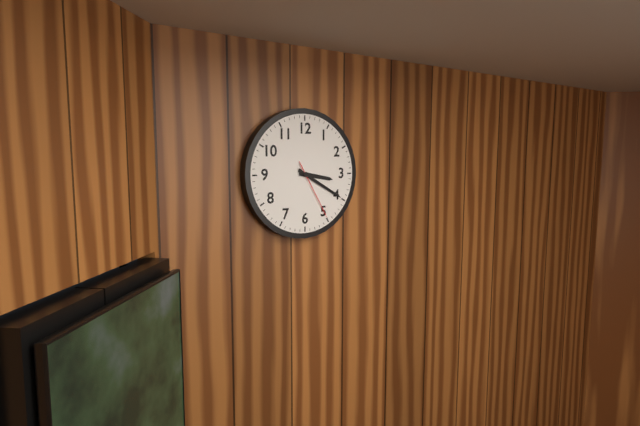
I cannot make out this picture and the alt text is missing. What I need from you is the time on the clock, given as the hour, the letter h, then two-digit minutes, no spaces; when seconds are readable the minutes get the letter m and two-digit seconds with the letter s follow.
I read 3h20m25s
